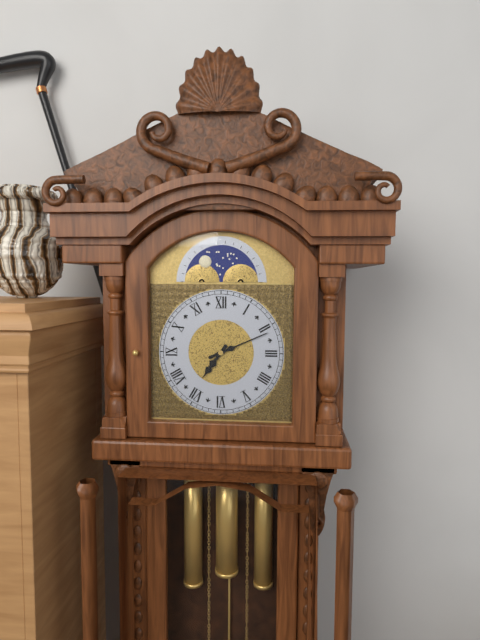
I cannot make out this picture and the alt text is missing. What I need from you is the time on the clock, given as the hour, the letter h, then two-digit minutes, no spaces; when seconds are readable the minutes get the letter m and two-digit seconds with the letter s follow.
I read 7h11
